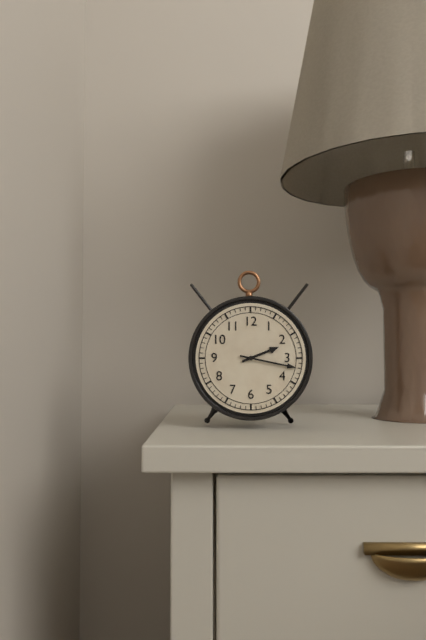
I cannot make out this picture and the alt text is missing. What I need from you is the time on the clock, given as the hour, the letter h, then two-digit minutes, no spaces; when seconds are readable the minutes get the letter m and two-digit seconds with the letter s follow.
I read 2h17
